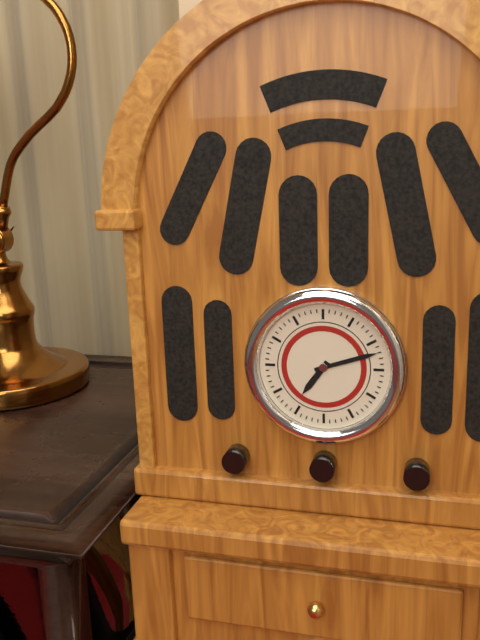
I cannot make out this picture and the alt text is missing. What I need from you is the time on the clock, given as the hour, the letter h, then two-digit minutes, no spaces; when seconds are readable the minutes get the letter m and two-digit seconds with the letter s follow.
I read 7h12
